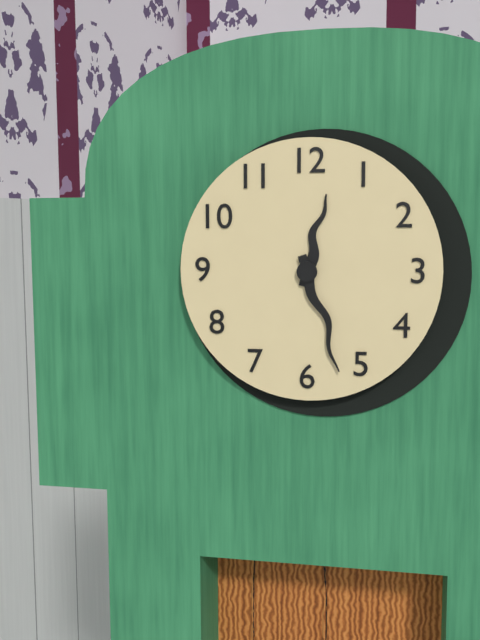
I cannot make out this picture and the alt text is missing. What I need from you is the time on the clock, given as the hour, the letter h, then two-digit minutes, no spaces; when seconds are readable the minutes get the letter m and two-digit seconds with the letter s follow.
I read 12h27
